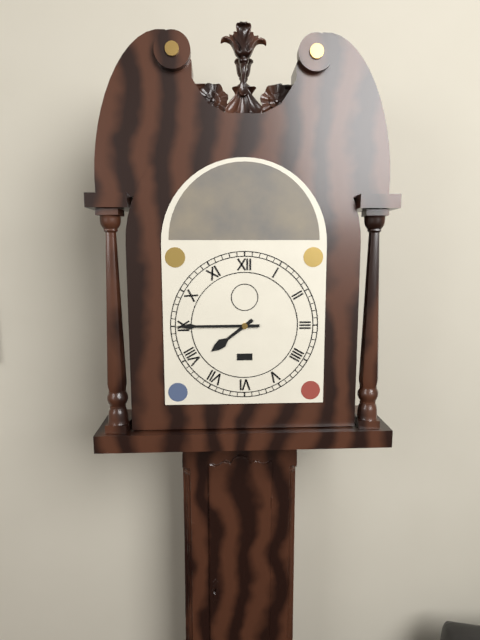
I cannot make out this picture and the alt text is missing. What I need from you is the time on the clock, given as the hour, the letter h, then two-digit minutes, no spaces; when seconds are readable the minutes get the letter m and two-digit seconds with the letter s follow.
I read 7h45
